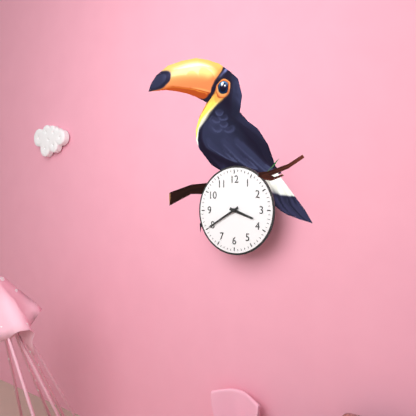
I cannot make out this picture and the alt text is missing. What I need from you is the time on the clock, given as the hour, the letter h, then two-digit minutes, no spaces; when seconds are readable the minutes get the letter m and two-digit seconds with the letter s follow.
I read 3h40
